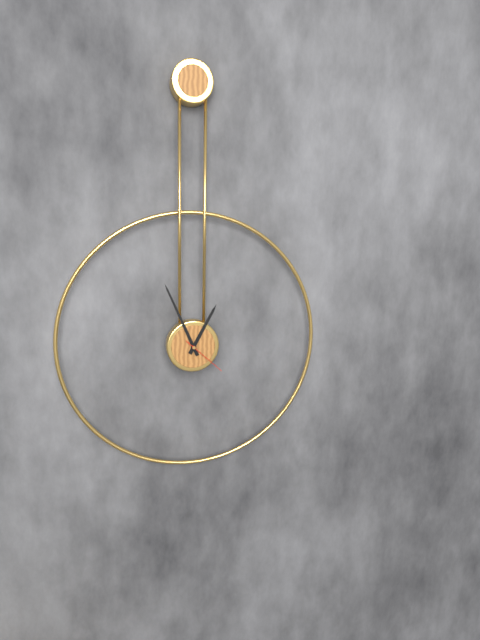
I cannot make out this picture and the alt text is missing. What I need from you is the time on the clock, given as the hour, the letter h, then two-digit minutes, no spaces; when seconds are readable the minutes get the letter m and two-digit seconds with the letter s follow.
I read 12h56
